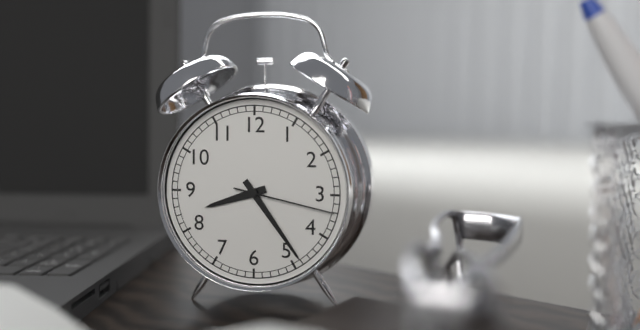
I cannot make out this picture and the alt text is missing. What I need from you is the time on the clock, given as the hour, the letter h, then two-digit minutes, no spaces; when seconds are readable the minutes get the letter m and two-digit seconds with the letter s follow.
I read 8h24m17s
